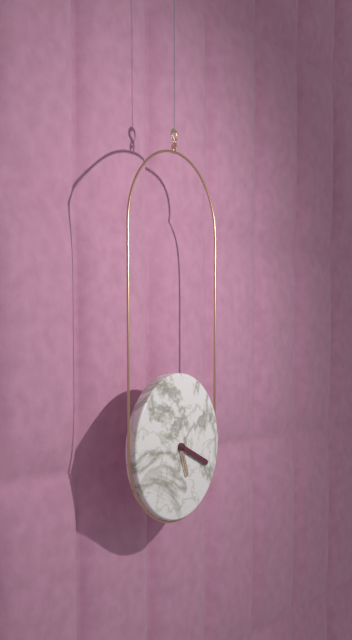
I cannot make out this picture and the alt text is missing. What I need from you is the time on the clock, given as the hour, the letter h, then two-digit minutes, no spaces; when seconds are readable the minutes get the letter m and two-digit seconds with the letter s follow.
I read 5h19
